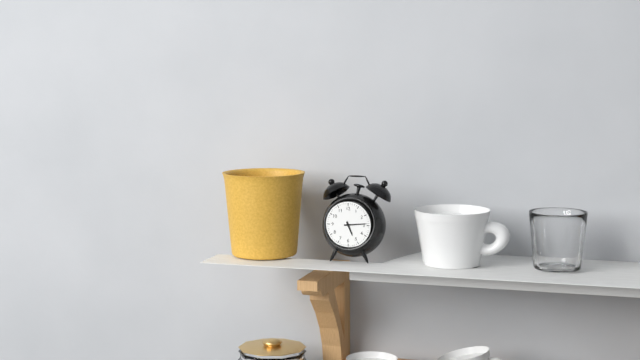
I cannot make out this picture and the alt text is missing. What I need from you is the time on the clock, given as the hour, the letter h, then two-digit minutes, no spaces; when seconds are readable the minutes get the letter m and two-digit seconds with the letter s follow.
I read 5h14
